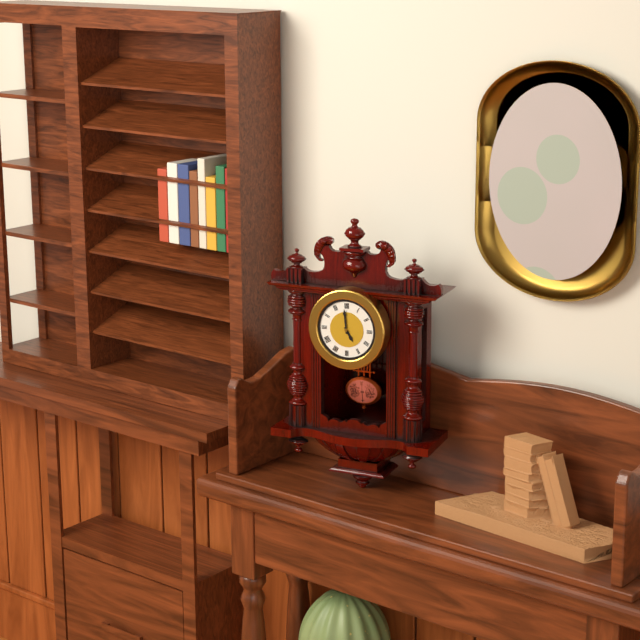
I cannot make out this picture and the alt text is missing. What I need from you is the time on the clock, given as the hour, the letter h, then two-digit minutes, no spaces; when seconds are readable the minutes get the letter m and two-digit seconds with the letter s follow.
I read 4h59
